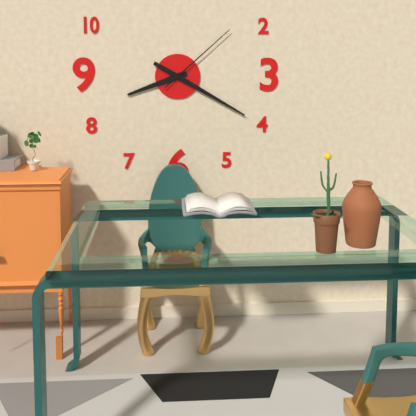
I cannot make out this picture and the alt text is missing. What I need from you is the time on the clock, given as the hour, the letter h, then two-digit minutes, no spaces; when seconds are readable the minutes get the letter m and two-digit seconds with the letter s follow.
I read 8h20m08s
